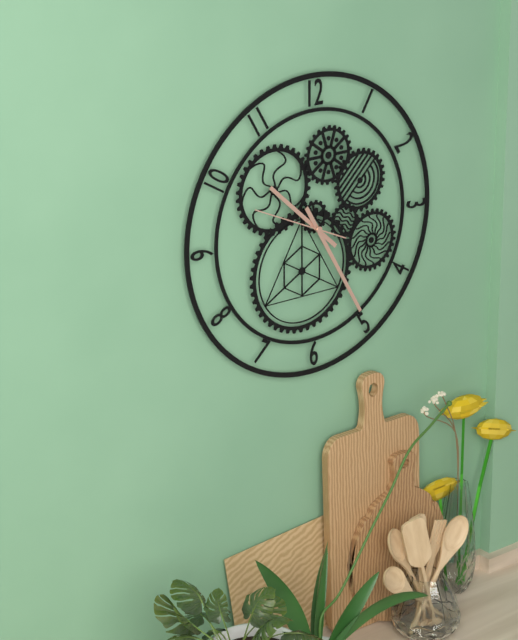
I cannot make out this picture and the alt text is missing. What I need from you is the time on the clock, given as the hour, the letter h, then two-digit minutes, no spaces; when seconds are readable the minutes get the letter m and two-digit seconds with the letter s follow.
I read 10h25m49s
